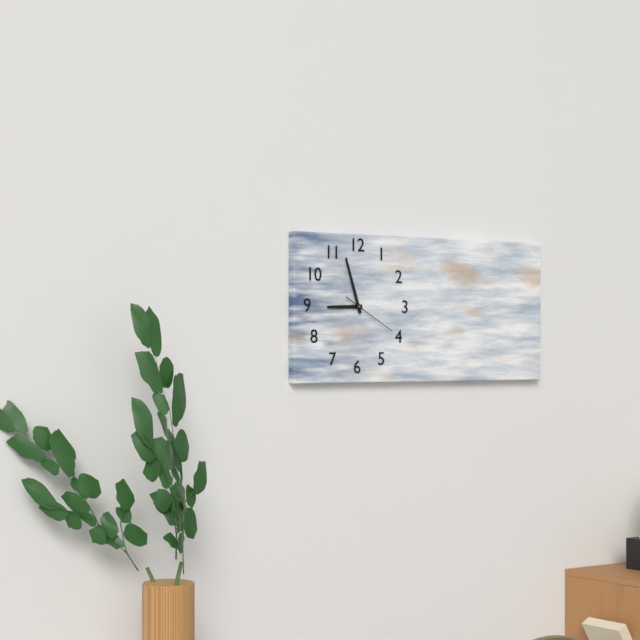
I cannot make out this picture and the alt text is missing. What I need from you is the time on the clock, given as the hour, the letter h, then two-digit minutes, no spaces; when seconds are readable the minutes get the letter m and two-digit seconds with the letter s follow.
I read 8h57m20s
